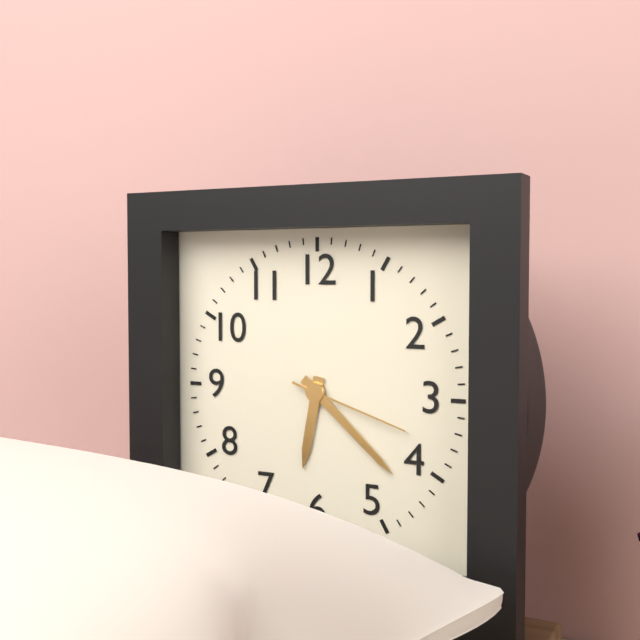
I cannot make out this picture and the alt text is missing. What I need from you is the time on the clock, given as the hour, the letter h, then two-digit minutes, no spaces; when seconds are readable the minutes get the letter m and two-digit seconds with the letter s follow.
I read 6h22m18s
